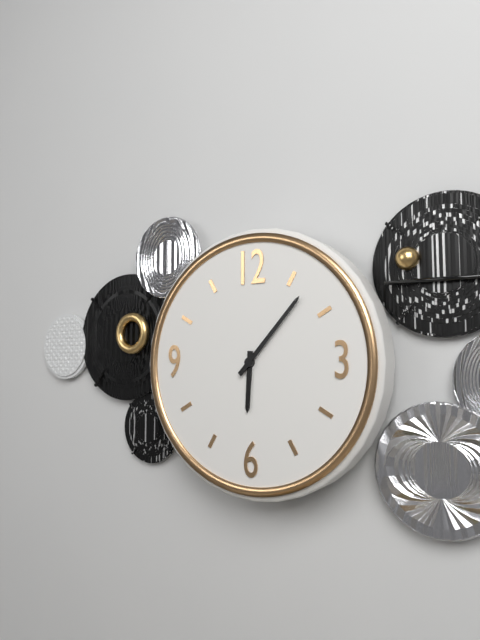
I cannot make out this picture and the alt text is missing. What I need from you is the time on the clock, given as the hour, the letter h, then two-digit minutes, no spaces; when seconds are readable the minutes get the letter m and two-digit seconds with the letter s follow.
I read 6h07
